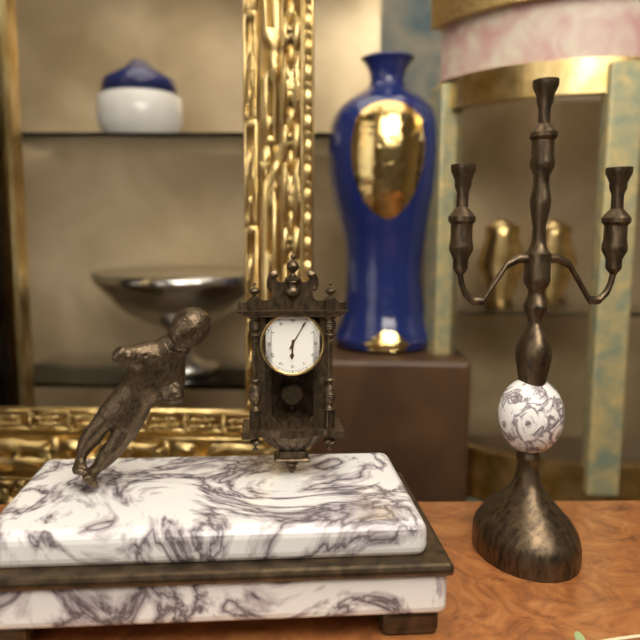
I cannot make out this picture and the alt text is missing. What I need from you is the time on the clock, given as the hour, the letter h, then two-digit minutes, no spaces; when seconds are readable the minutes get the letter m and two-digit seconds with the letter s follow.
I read 6h05
